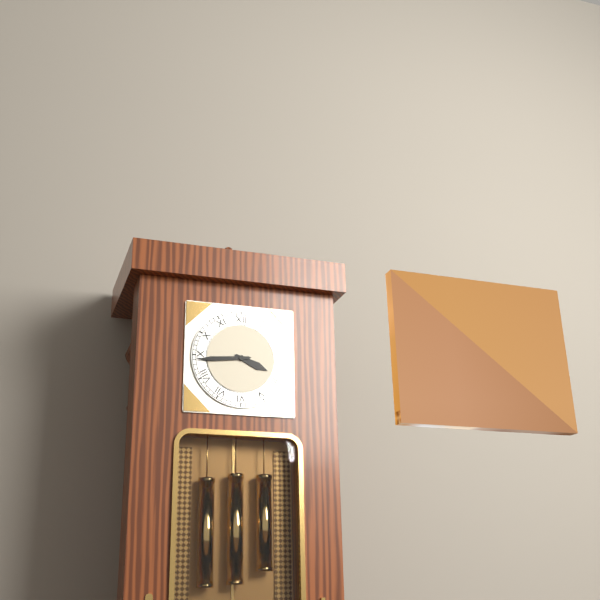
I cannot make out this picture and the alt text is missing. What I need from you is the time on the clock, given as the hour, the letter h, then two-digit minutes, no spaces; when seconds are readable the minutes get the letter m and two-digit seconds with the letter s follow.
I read 3h44
